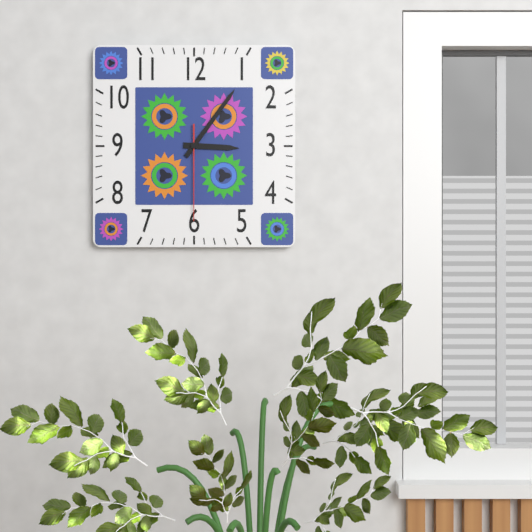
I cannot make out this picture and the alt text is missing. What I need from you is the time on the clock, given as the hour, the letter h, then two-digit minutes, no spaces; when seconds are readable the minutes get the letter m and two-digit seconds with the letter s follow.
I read 3h06m30s
